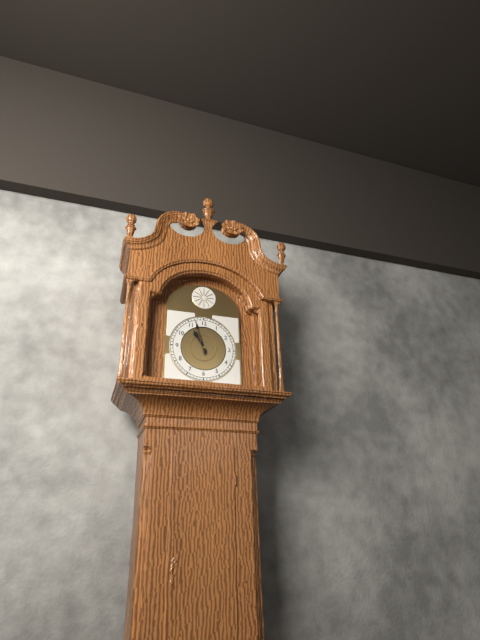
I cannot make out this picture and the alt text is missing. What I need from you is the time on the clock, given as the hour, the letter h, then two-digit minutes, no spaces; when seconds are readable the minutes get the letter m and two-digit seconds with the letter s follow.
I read 10h57
